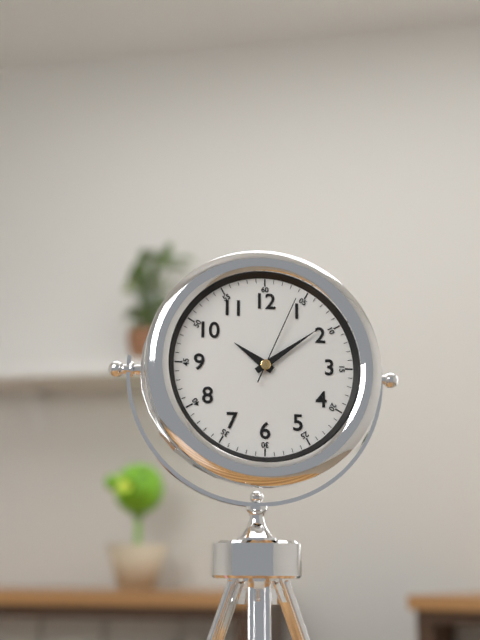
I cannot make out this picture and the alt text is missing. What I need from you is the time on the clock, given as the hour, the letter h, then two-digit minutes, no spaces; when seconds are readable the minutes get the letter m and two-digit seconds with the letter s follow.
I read 10h09m04s
